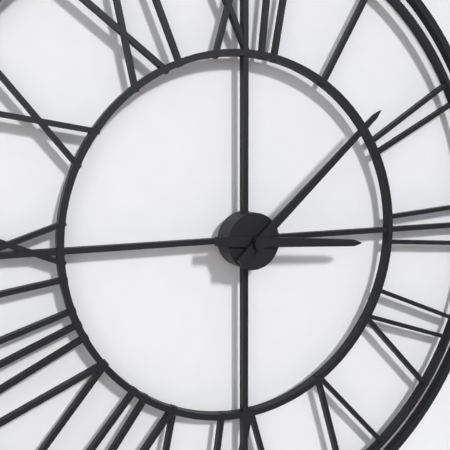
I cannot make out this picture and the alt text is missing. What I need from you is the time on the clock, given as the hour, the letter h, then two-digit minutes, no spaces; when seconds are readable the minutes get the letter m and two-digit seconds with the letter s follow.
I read 3h08
